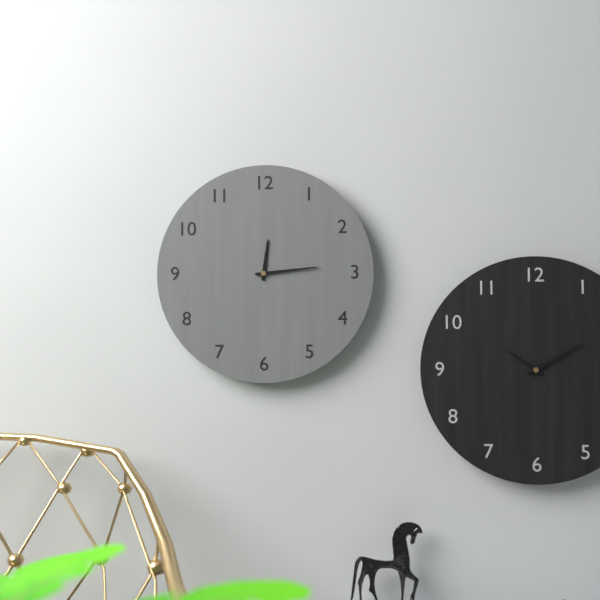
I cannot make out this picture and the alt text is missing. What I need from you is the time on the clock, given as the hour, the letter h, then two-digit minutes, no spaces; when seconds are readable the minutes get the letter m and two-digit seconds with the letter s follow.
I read 12h14
